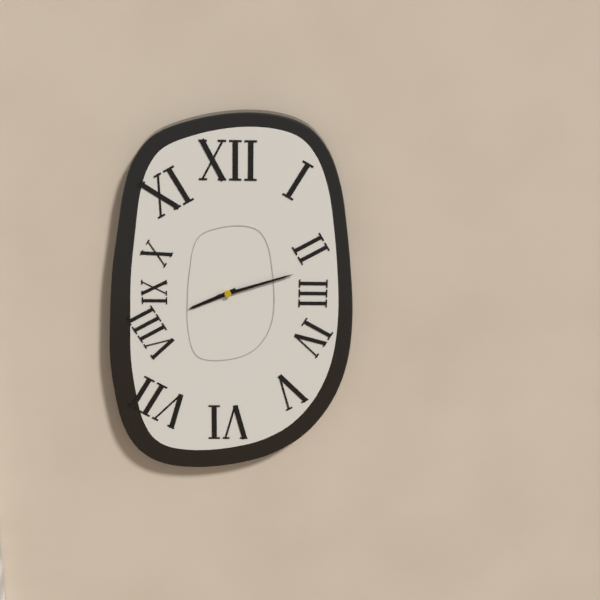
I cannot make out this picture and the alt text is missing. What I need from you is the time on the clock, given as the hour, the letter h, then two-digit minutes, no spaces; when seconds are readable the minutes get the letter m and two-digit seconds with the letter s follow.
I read 8h12
